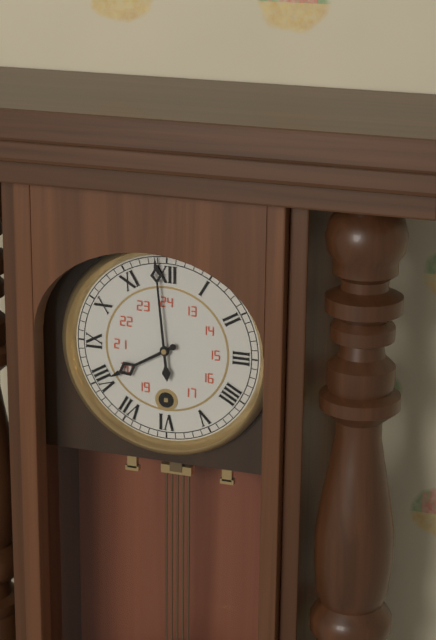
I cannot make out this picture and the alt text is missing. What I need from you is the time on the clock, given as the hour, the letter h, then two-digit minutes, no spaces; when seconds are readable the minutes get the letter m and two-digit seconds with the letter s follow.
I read 7h59
